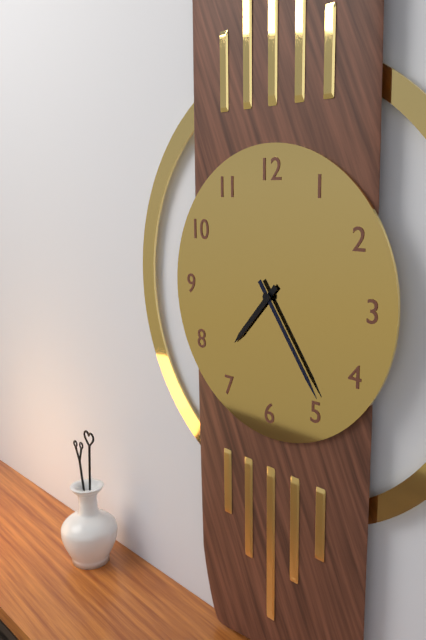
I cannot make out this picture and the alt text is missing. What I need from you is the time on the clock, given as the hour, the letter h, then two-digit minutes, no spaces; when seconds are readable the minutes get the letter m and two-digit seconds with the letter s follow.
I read 7h24
